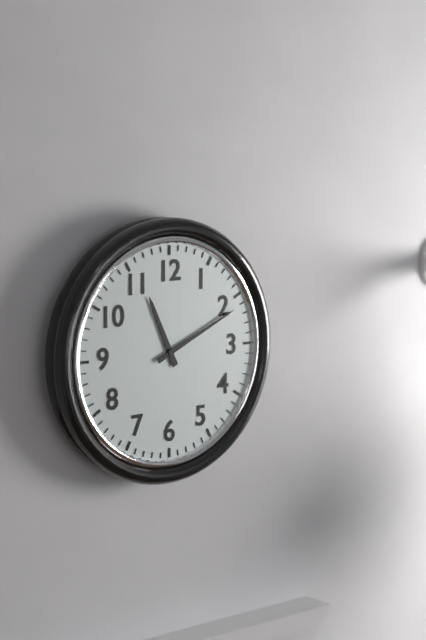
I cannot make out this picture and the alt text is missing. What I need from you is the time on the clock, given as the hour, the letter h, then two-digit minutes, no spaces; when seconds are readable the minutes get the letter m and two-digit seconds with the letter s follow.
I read 11h11
